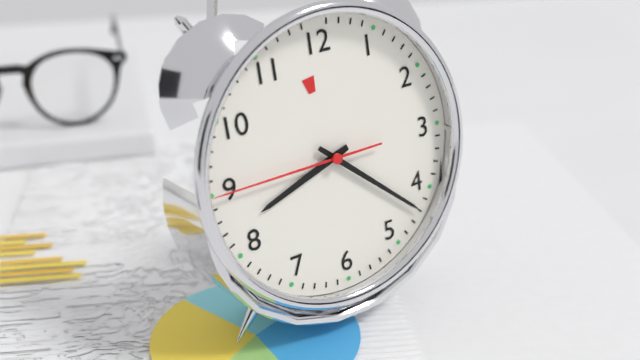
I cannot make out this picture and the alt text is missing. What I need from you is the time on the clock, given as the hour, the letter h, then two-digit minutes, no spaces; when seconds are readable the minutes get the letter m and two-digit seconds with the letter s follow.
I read 8h22m45s
